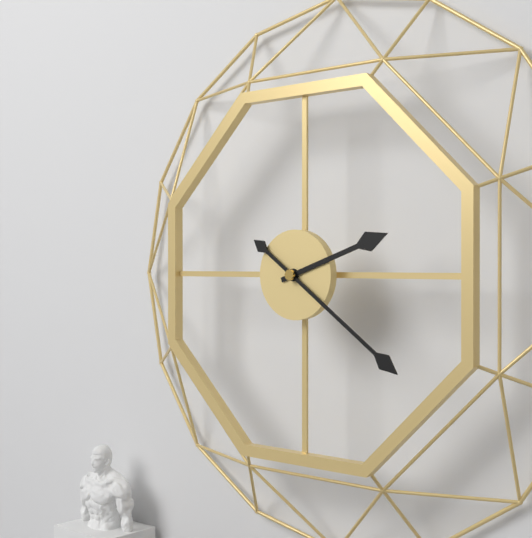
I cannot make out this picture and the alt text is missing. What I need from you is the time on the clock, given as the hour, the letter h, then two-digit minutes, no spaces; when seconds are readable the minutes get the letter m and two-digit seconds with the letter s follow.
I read 2h21
